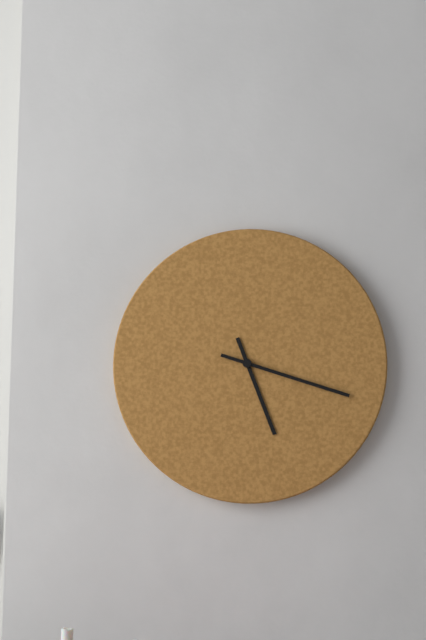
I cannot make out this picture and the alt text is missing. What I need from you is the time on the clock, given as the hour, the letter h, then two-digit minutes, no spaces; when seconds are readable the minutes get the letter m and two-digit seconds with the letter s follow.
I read 5h18
